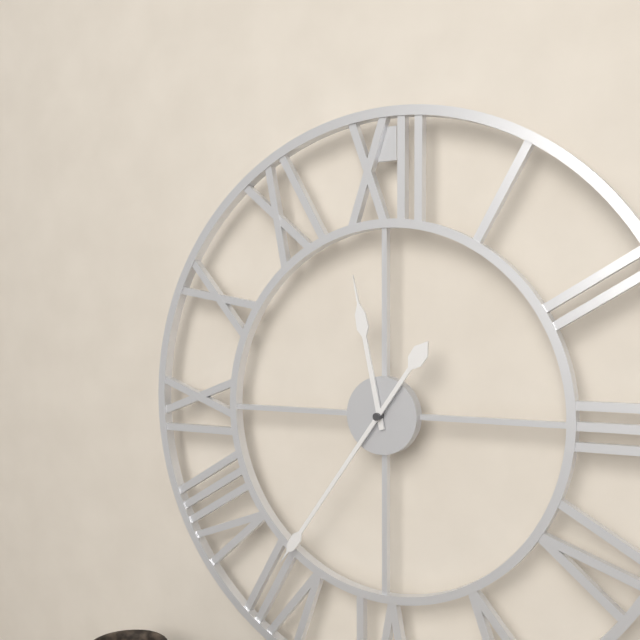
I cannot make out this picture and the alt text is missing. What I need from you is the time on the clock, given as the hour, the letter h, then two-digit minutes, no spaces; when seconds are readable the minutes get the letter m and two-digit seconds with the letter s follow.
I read 11h36
